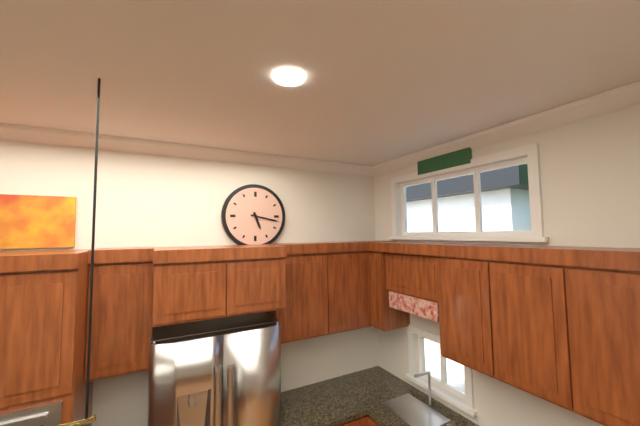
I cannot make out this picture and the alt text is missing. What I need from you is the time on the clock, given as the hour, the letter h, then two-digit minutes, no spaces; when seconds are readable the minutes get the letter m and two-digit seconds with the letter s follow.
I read 5h17
